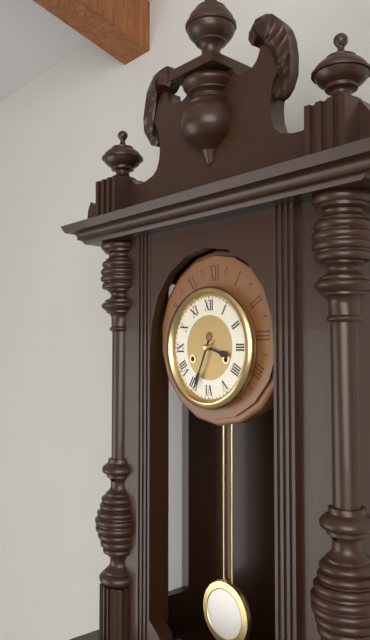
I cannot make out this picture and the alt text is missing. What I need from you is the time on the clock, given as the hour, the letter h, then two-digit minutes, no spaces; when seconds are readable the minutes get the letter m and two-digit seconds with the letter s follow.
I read 3h34
